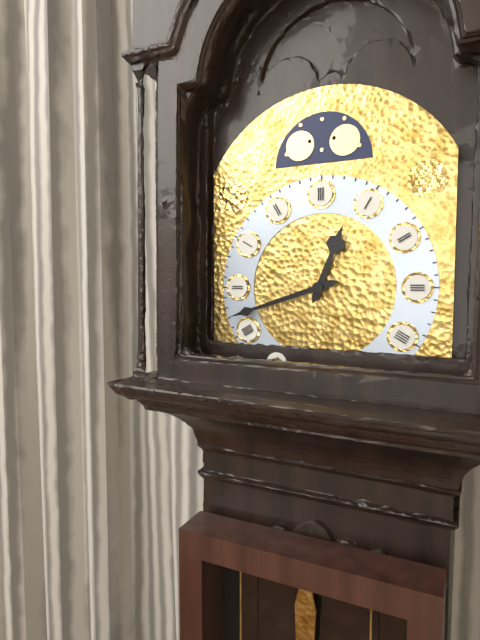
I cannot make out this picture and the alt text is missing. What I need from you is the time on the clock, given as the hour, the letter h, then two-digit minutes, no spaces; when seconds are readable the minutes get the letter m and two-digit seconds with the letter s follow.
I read 12h42
